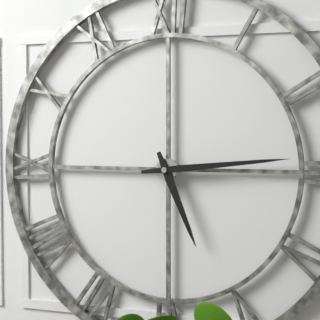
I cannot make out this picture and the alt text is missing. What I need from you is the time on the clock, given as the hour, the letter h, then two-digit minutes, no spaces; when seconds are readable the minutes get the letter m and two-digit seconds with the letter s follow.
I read 5h14
